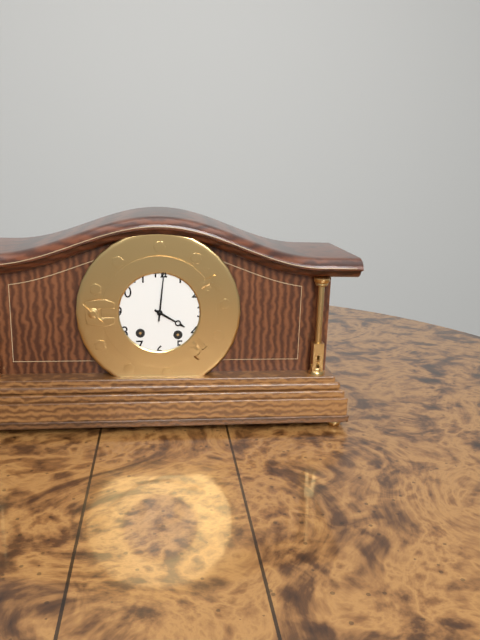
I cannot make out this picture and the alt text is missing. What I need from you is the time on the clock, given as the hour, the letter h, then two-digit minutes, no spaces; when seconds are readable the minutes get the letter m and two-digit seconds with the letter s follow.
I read 4h01
